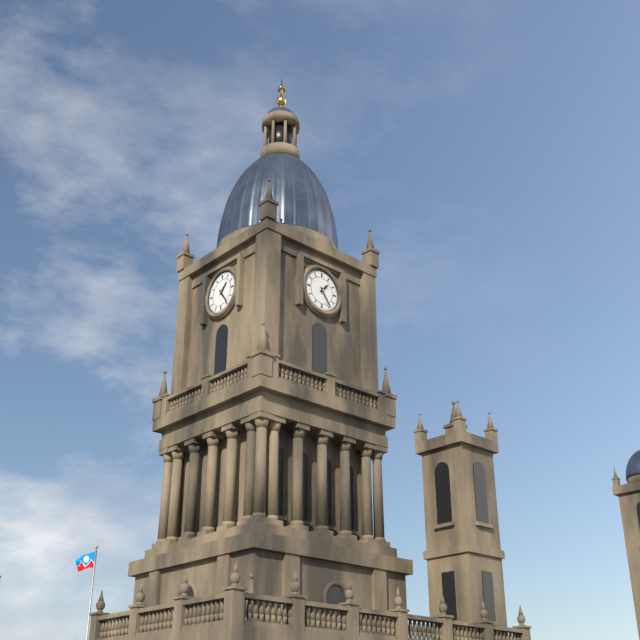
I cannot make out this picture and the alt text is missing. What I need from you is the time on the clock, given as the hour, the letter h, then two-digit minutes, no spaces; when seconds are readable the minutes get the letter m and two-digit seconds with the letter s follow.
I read 1h24
